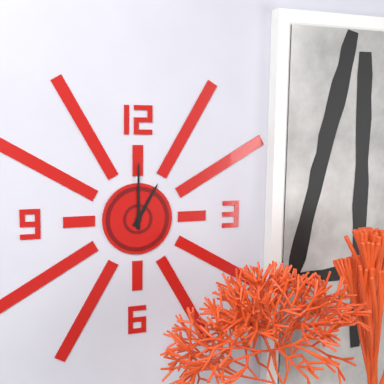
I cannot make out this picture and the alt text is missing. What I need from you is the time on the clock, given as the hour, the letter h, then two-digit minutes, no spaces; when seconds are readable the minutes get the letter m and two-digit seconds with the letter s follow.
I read 1h00
